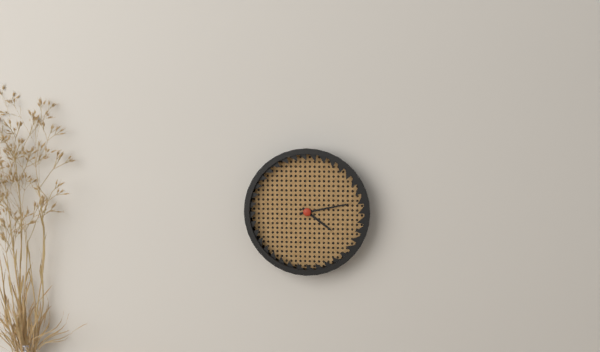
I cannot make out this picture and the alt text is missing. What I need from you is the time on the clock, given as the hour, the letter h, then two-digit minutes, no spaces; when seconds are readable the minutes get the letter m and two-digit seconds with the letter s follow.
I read 4h13
